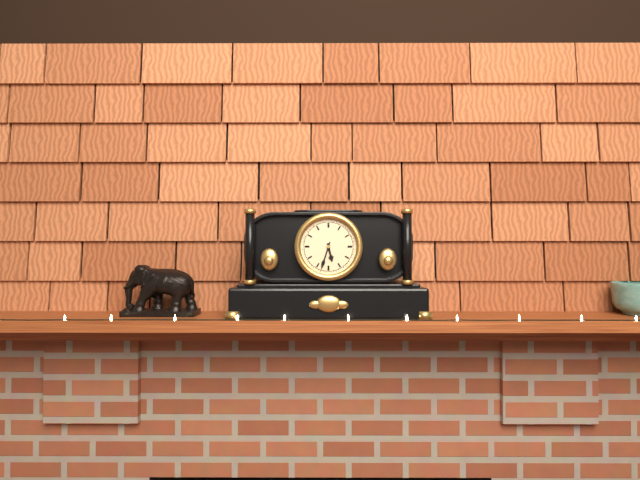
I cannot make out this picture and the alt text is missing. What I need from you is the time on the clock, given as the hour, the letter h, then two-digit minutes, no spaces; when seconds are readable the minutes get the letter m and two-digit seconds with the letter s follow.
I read 5h33
